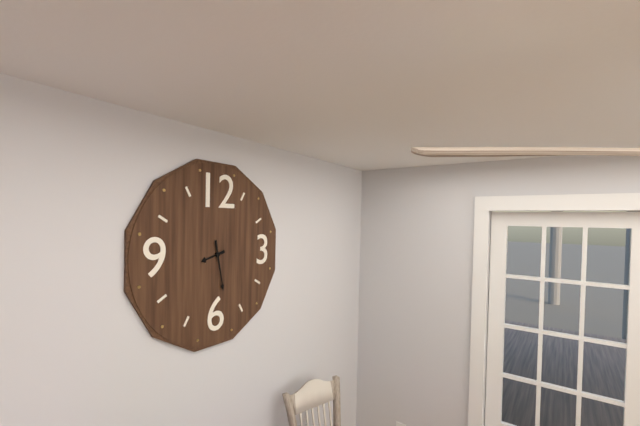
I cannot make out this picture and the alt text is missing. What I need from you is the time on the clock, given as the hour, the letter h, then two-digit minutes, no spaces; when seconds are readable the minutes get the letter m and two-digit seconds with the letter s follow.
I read 8h28
